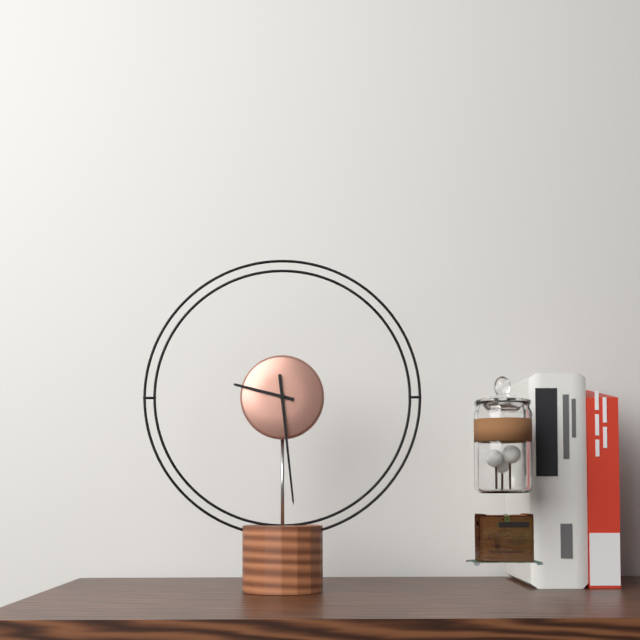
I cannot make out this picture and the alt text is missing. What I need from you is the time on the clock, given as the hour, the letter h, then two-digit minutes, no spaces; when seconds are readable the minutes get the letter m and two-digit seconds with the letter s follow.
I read 9h29
